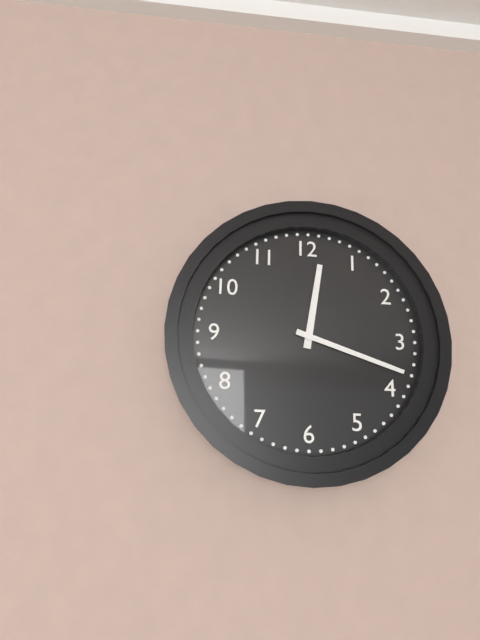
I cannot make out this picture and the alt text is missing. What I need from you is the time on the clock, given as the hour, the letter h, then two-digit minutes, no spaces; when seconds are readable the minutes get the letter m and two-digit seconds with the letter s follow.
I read 12h18
